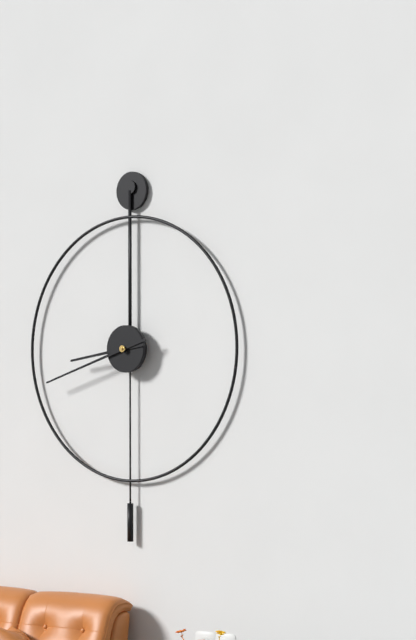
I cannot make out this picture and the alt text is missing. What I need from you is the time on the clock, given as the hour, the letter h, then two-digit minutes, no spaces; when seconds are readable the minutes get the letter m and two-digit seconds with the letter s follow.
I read 8h42
